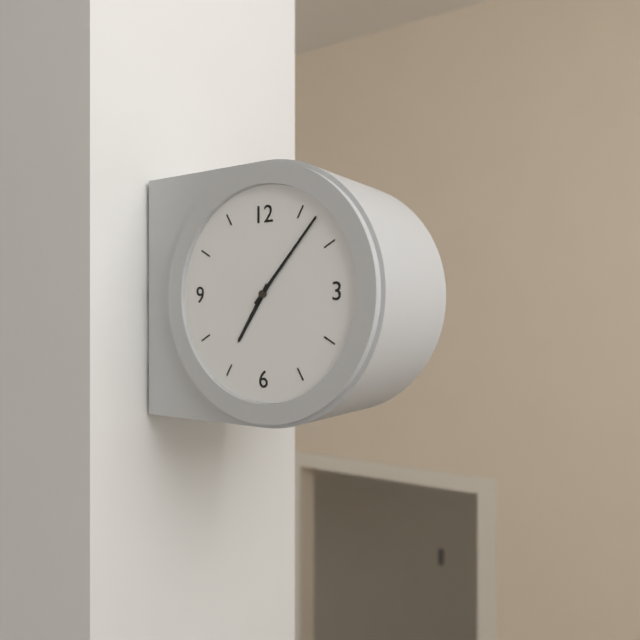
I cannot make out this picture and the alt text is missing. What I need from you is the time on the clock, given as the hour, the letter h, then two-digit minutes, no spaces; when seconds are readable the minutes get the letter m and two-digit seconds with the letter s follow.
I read 7h07
